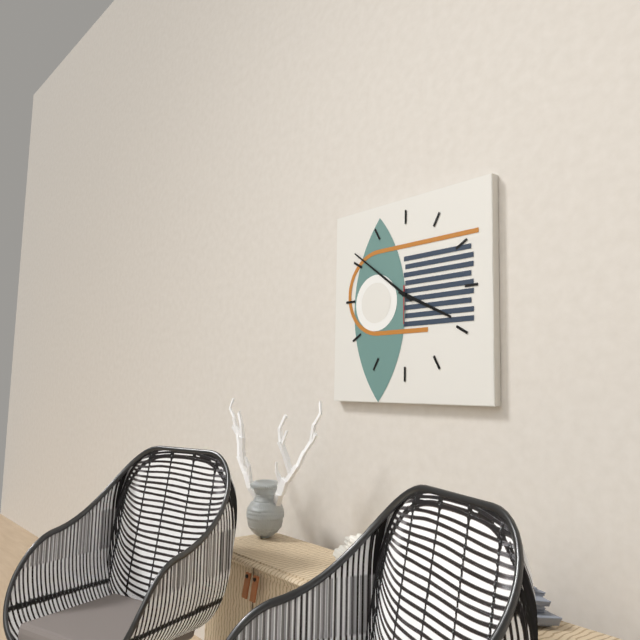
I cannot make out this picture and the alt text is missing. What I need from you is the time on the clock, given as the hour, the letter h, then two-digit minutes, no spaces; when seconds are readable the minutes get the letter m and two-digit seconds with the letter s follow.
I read 3h51
